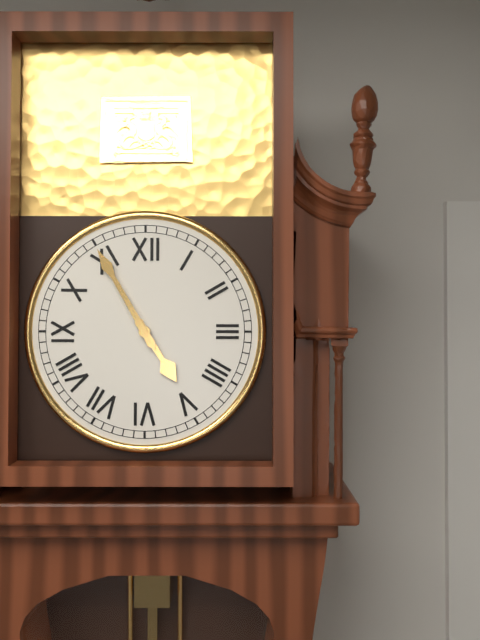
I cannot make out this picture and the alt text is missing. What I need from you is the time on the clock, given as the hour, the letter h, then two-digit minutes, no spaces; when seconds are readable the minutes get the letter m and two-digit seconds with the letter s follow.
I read 4h55
